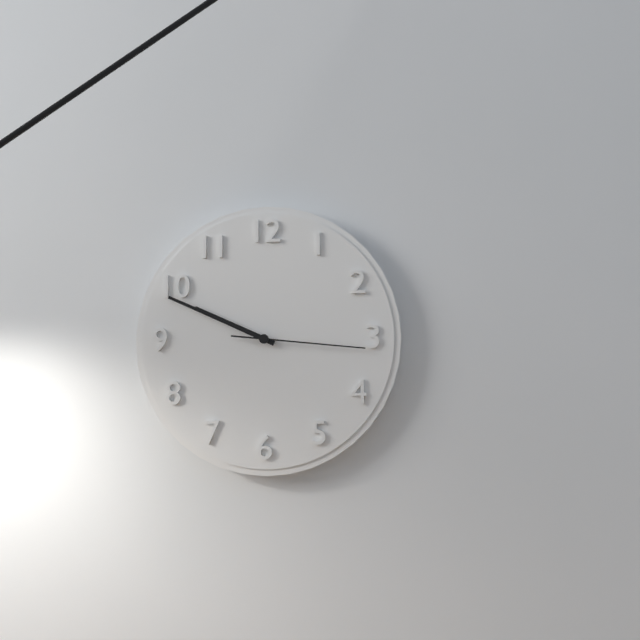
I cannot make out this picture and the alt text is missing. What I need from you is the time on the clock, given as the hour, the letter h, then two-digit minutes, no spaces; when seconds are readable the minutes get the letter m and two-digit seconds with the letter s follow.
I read 9h49m16s
